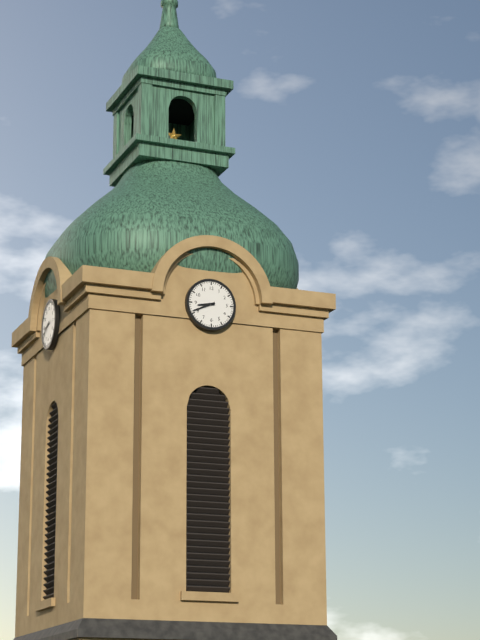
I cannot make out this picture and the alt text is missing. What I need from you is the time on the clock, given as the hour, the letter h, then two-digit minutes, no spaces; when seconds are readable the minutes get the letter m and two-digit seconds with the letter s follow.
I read 8h41
